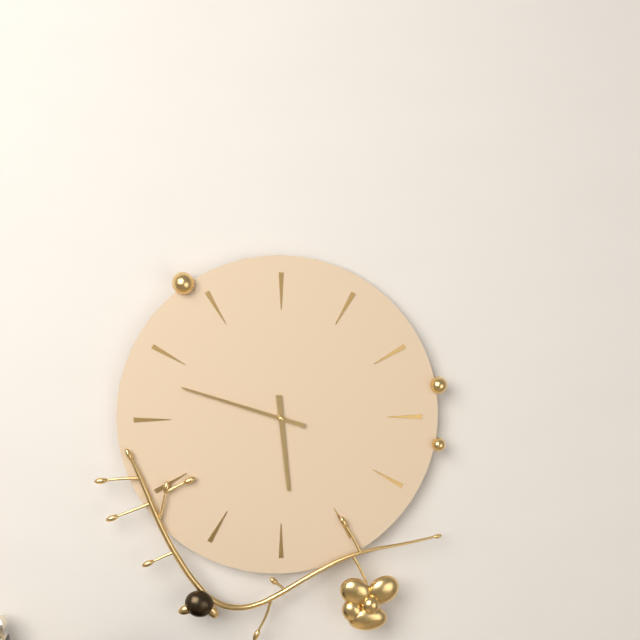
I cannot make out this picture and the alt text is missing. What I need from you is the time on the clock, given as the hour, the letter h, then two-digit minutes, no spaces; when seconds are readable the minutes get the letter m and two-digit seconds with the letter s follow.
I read 5h48
